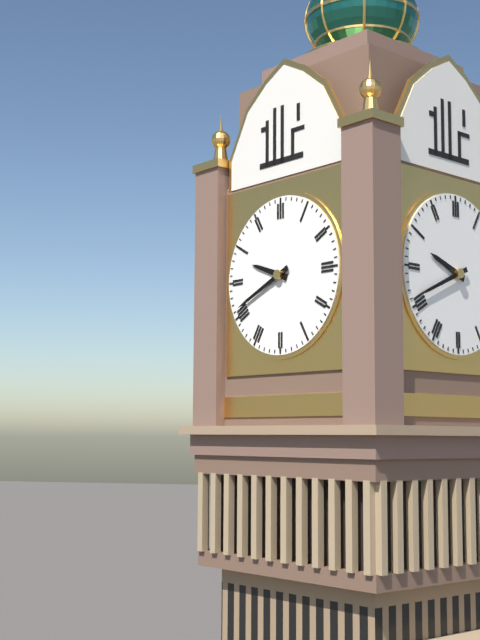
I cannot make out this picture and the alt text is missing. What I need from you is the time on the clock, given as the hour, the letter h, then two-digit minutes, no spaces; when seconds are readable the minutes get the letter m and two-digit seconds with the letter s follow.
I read 9h41
